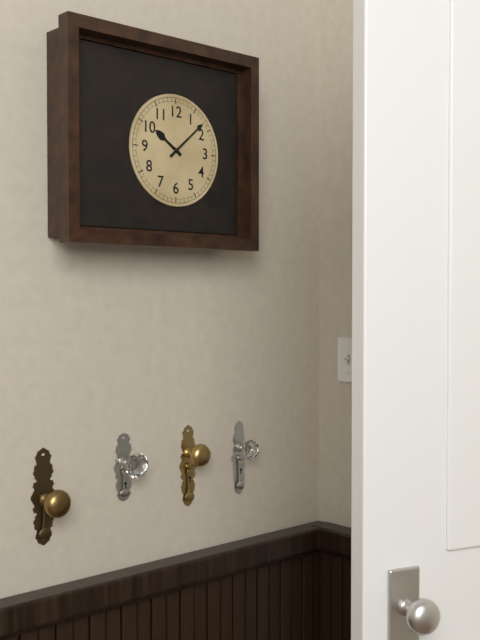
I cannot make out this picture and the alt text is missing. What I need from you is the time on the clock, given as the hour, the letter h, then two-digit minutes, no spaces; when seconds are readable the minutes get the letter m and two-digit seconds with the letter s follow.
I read 10h08
